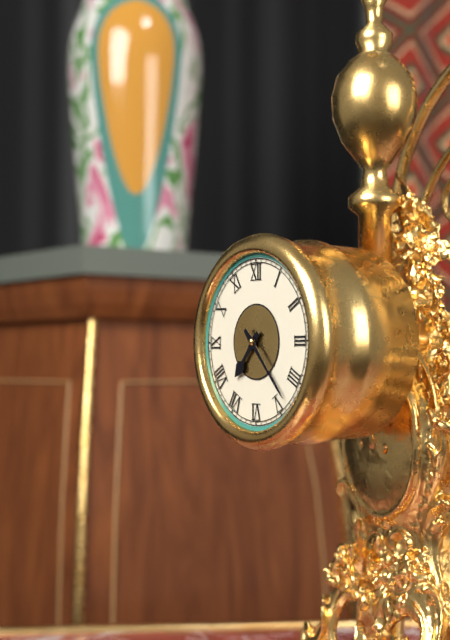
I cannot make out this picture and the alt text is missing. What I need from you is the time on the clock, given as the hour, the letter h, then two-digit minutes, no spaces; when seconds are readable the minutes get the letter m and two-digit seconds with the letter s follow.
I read 7h23
